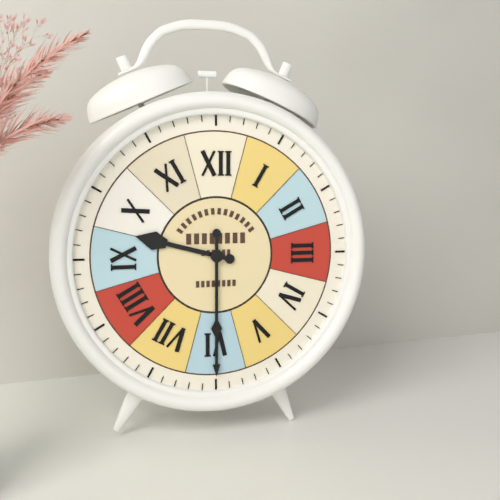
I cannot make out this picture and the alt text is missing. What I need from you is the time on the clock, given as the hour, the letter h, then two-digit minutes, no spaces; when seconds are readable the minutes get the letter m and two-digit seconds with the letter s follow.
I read 9h30
